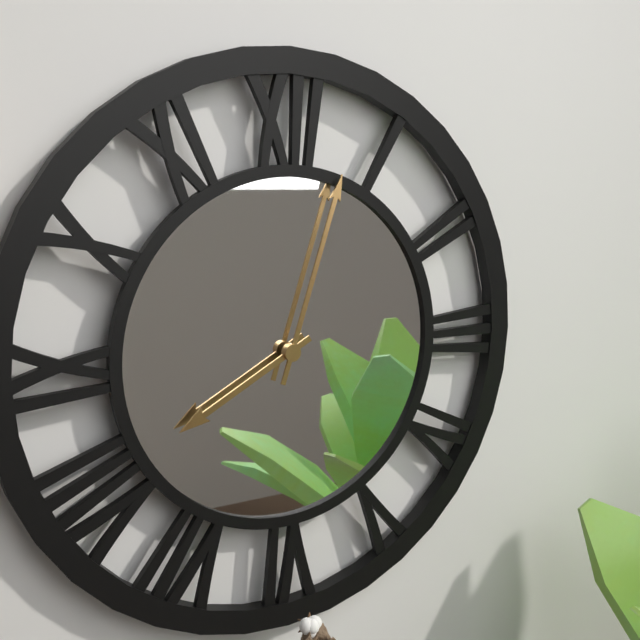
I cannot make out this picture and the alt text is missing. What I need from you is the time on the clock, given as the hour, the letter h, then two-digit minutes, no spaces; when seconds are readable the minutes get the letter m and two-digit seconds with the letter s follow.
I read 8h03
